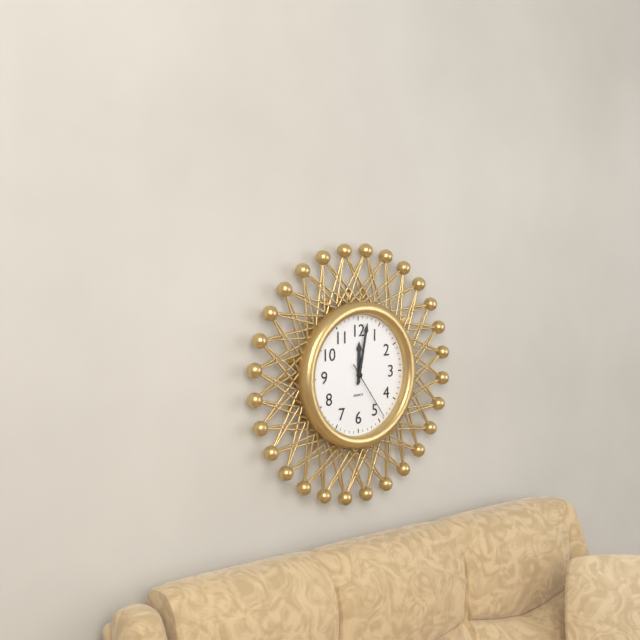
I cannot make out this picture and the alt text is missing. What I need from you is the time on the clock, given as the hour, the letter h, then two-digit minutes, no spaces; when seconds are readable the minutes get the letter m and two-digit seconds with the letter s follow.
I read 12h02m24s
